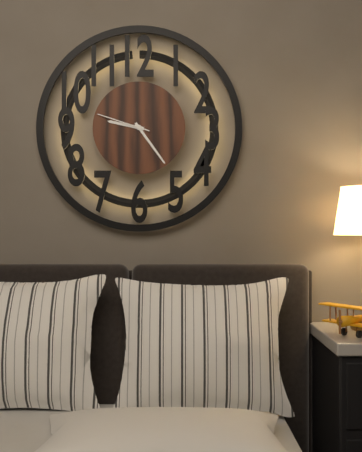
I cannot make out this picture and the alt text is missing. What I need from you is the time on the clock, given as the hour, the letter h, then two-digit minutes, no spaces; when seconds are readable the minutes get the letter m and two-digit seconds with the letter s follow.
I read 9h24m48s
